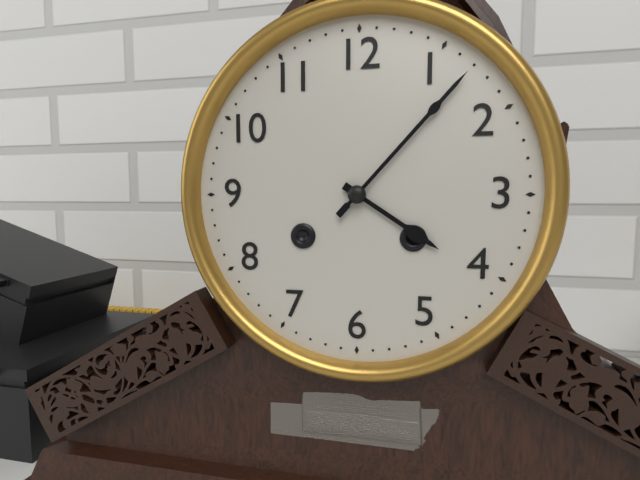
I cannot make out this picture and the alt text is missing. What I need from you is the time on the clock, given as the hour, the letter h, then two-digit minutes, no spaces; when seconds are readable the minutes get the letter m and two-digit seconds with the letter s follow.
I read 4h07
